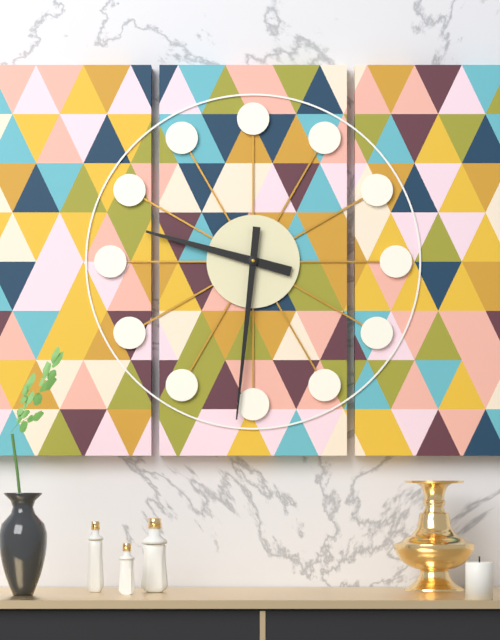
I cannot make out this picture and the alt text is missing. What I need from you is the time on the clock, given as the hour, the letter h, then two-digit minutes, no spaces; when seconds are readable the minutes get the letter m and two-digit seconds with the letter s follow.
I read 9h31
